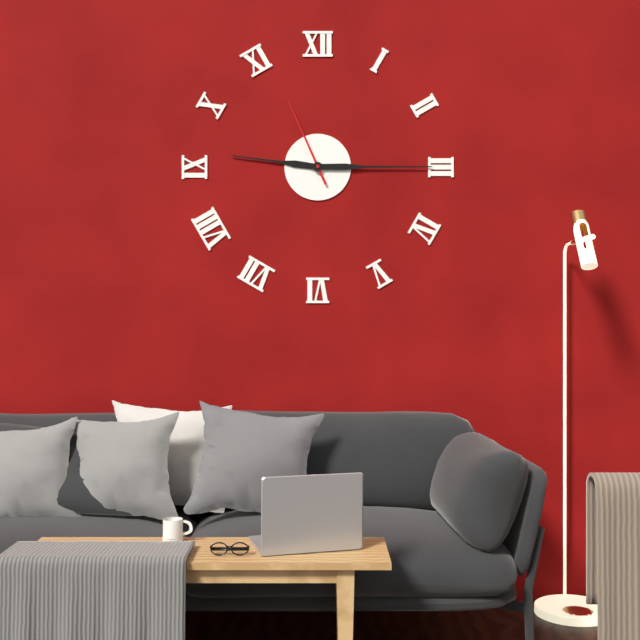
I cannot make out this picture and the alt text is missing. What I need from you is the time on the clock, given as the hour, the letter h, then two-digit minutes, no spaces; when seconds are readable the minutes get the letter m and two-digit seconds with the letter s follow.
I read 9h15m56s
